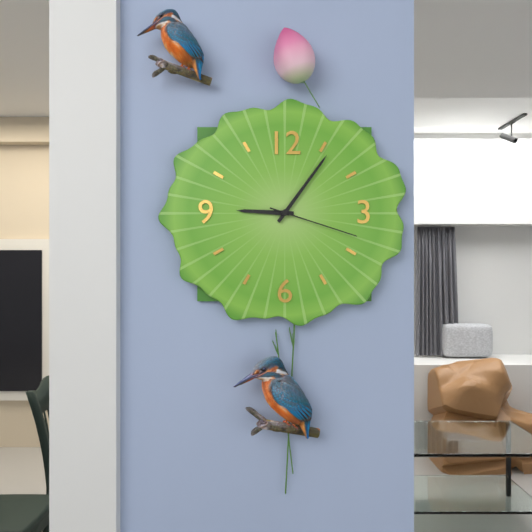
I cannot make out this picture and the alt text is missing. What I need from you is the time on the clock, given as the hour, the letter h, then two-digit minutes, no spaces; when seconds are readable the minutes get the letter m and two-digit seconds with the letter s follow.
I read 9h06m18s
